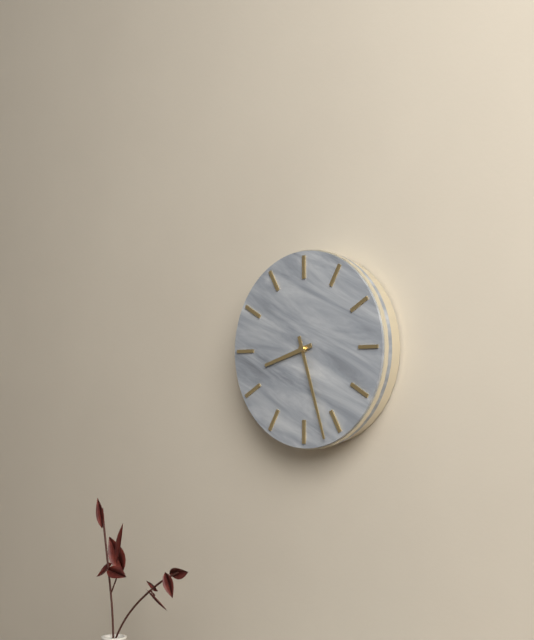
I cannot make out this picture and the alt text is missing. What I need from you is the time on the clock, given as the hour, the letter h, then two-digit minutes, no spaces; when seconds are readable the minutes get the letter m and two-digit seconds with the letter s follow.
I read 8h27
